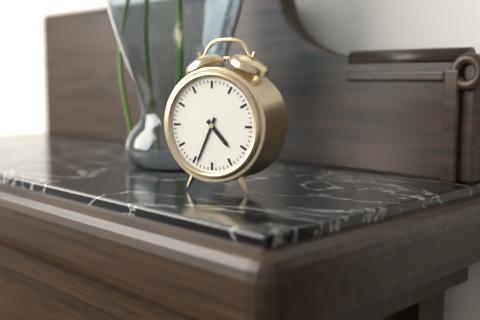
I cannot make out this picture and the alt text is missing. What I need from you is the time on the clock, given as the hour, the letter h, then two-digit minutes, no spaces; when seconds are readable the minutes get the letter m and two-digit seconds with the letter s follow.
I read 4h34
